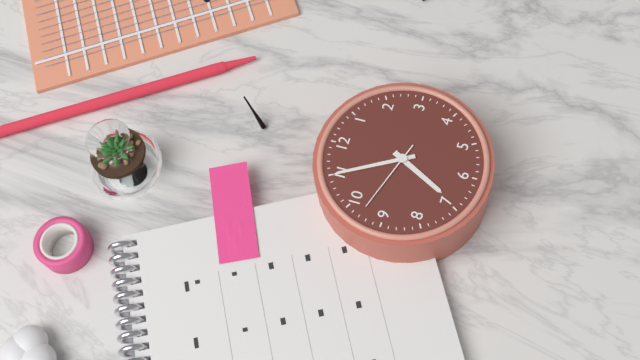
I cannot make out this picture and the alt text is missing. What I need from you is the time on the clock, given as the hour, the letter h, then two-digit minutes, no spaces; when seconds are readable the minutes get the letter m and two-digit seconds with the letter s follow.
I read 6h55m48s
